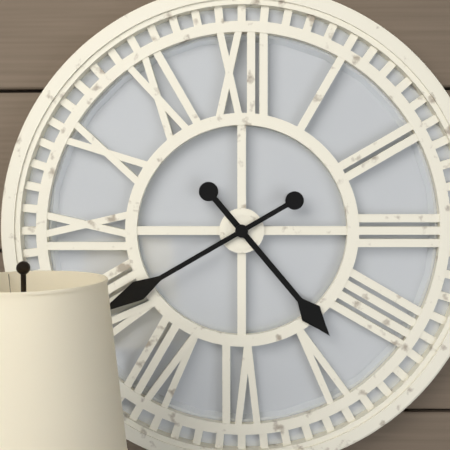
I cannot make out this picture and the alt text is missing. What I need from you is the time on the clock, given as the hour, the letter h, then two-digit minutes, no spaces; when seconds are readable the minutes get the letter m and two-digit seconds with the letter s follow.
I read 4h40
